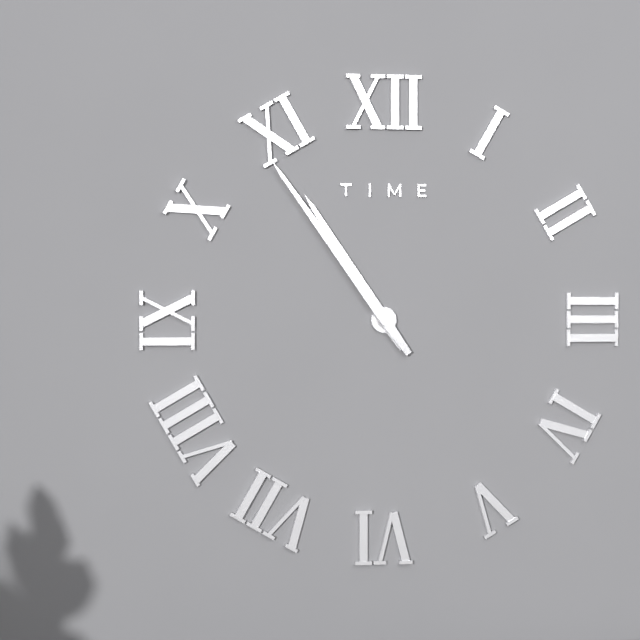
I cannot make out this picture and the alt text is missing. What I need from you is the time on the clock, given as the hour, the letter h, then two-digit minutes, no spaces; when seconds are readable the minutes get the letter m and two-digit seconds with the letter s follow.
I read 10h54
